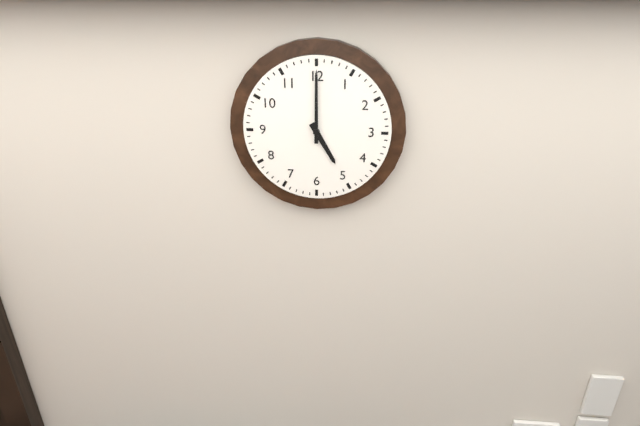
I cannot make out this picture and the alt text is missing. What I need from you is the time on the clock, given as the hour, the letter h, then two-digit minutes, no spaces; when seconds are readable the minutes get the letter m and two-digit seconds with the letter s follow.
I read 5h00
